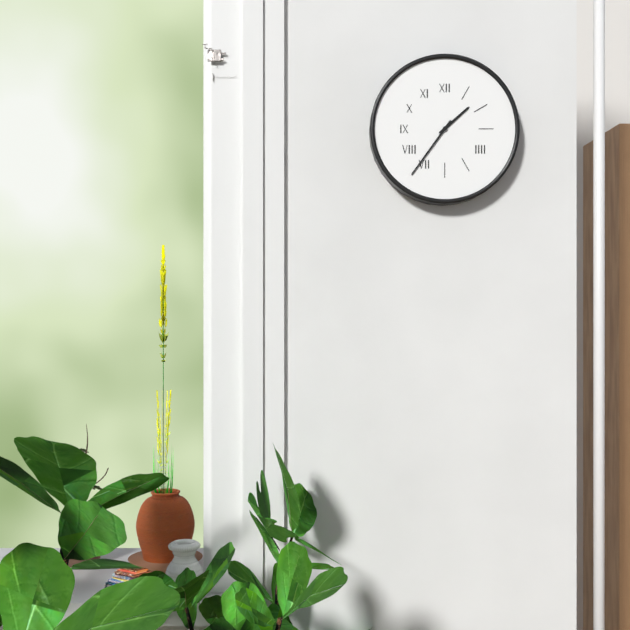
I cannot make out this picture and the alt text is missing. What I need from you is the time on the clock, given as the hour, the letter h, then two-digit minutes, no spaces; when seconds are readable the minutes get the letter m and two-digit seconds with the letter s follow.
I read 1h36
